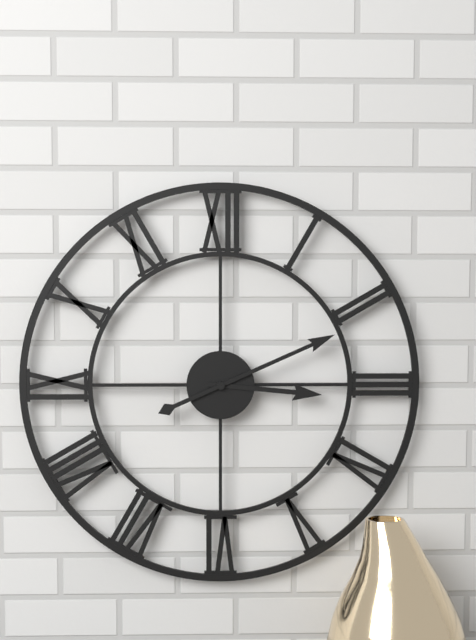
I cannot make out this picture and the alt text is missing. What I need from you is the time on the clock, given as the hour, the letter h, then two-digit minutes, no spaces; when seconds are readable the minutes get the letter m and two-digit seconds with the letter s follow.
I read 3h11
